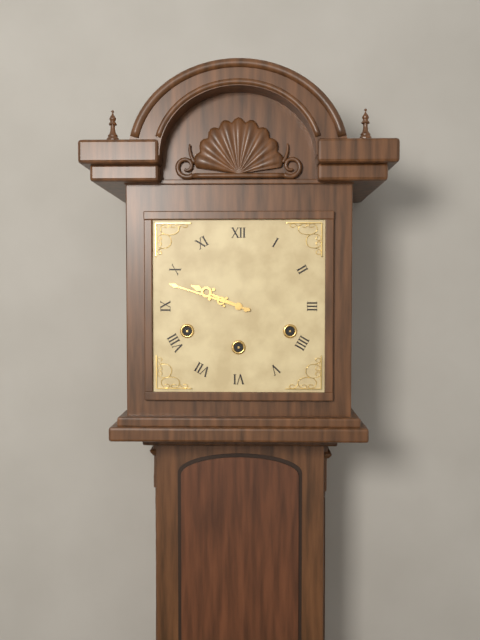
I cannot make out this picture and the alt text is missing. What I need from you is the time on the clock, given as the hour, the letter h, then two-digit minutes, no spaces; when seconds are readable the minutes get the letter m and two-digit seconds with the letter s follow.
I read 9h48
